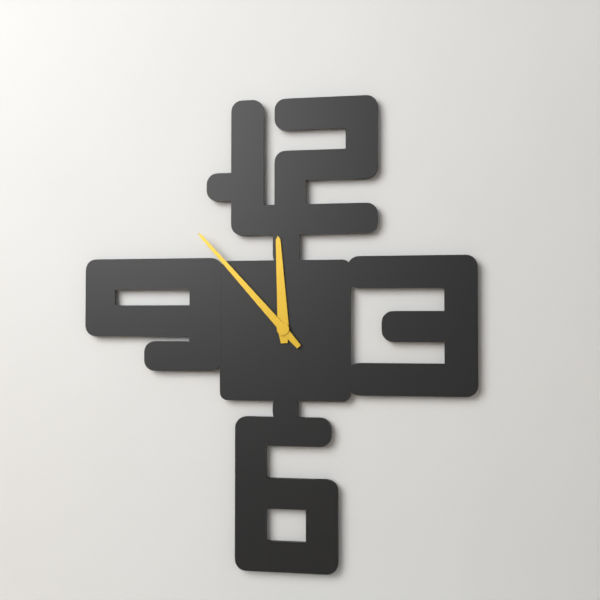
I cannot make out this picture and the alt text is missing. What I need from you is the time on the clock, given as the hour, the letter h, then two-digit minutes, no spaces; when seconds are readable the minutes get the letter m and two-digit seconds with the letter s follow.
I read 11h53
